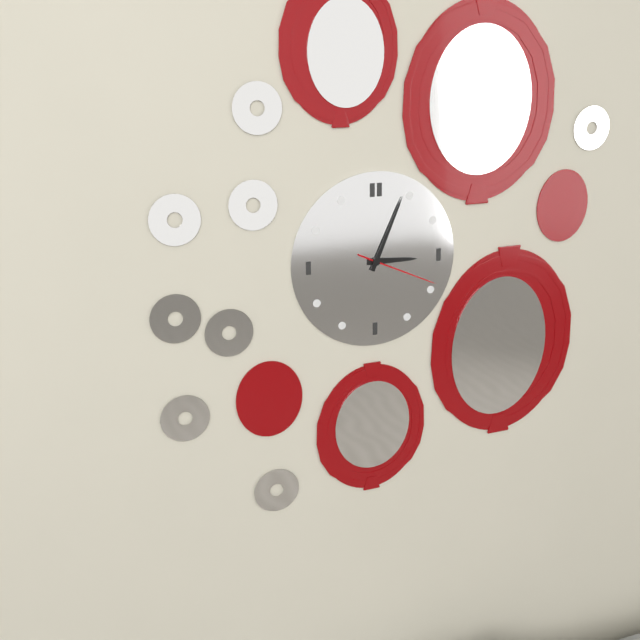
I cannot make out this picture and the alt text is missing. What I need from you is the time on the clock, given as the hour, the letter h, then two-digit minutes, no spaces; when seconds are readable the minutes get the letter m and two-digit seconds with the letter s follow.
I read 3h04m19s
